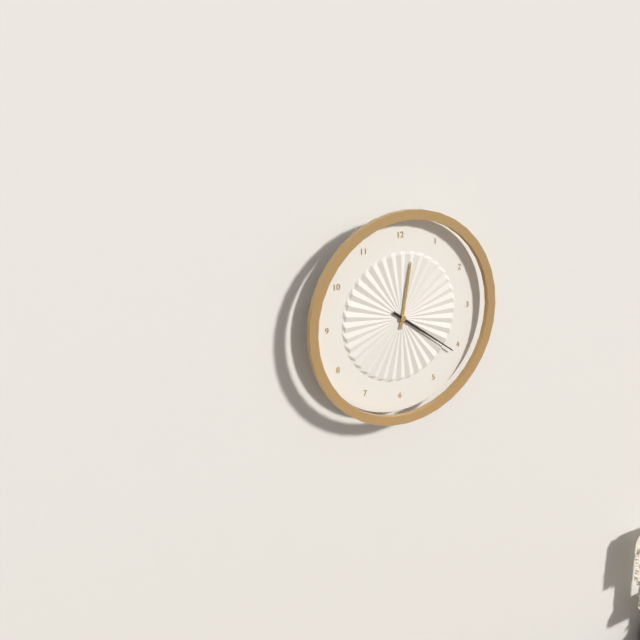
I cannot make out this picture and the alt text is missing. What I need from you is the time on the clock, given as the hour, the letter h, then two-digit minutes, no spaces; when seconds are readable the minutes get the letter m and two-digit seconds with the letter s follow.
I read 12h21
